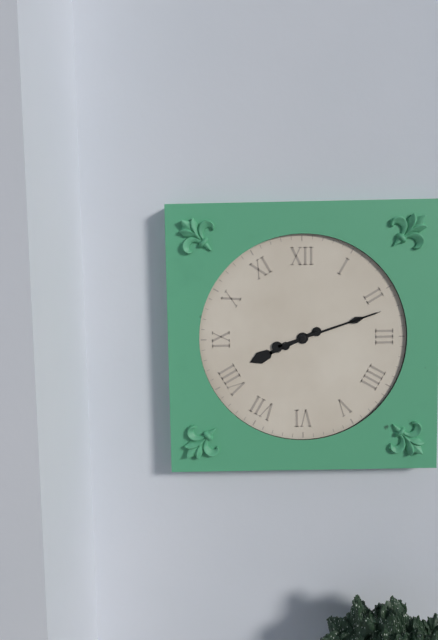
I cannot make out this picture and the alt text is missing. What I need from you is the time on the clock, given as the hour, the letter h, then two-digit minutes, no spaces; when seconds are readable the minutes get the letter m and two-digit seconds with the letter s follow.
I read 8h12
